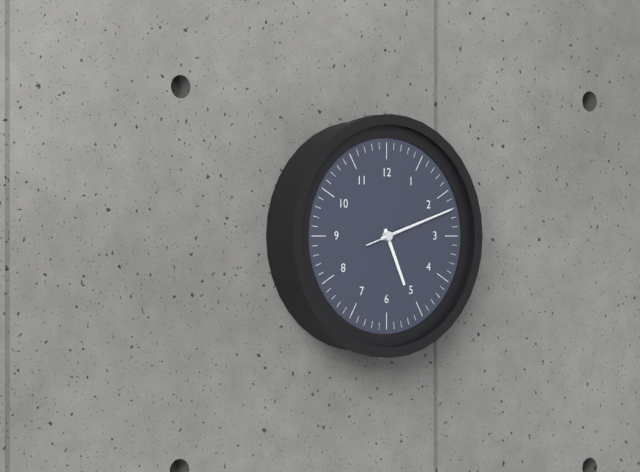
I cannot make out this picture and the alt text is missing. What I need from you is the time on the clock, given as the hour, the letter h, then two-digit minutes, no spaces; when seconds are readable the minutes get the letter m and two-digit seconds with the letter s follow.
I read 5h12m12s
